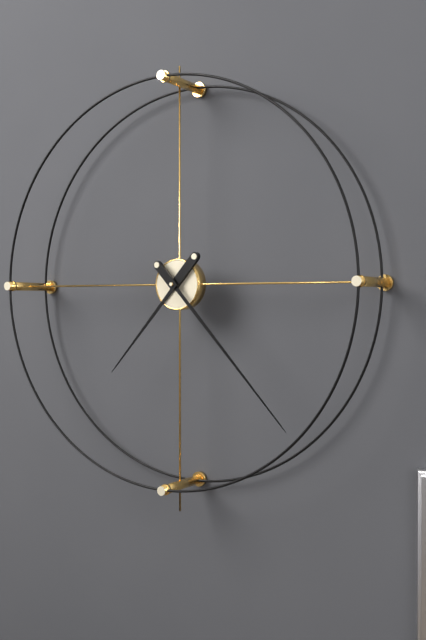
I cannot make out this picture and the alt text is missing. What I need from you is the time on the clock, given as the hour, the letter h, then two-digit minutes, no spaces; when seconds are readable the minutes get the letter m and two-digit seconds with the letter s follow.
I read 7h23
